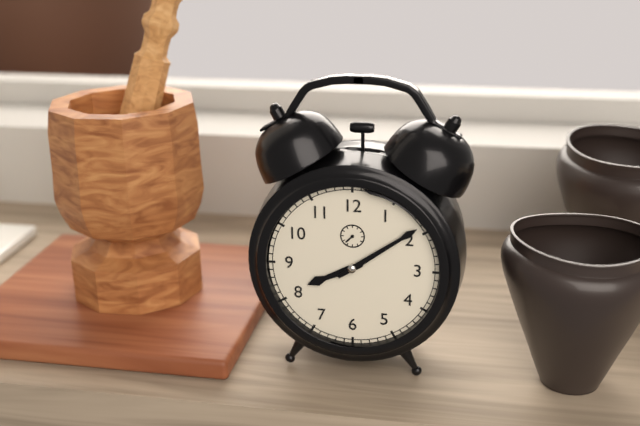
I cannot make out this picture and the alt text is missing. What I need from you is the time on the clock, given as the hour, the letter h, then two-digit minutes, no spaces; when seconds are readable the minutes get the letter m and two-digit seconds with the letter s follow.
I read 8h09
